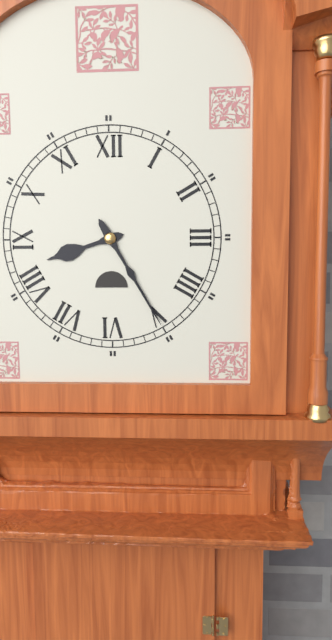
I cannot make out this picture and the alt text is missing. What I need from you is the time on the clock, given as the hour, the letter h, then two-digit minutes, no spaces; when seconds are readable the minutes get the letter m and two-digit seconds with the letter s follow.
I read 8h25
